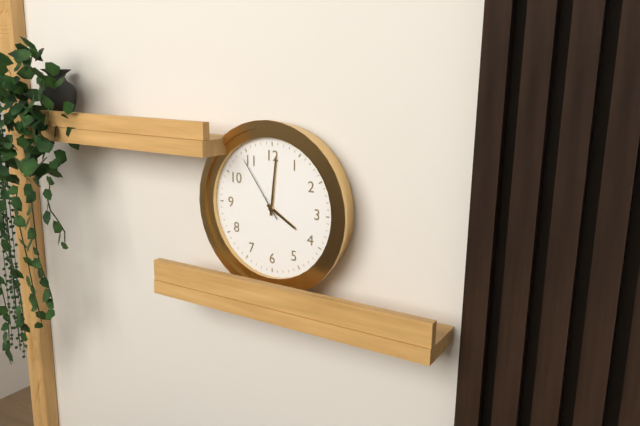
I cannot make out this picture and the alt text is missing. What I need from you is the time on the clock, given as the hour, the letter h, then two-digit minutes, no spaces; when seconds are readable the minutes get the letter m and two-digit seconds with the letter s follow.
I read 4h01m54s
